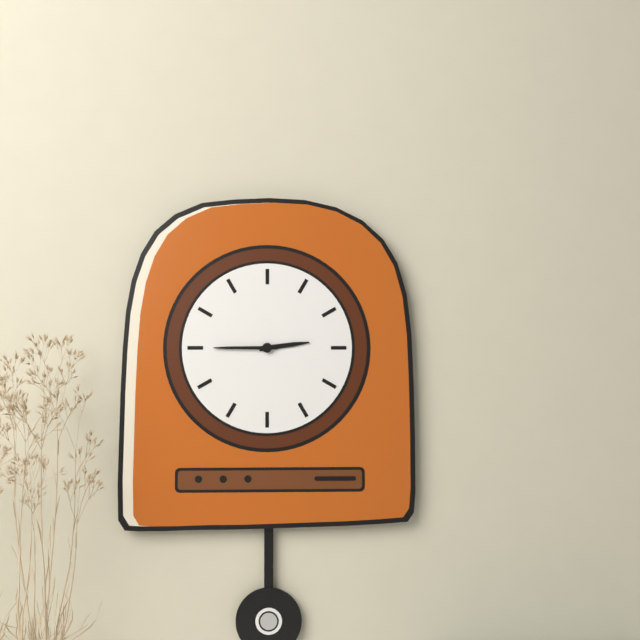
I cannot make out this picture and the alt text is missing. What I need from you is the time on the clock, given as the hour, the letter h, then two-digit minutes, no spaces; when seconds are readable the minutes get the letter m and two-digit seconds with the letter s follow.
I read 2h45
